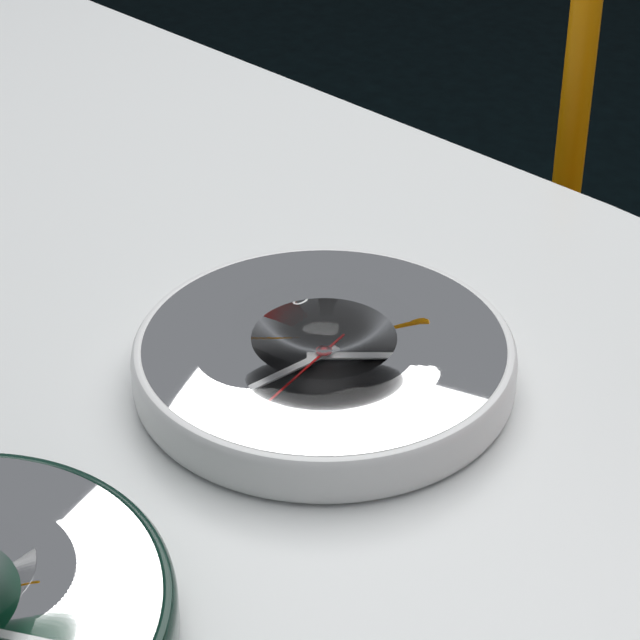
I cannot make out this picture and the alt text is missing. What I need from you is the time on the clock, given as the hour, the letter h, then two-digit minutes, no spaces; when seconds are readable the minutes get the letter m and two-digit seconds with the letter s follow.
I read 1h31m28s
